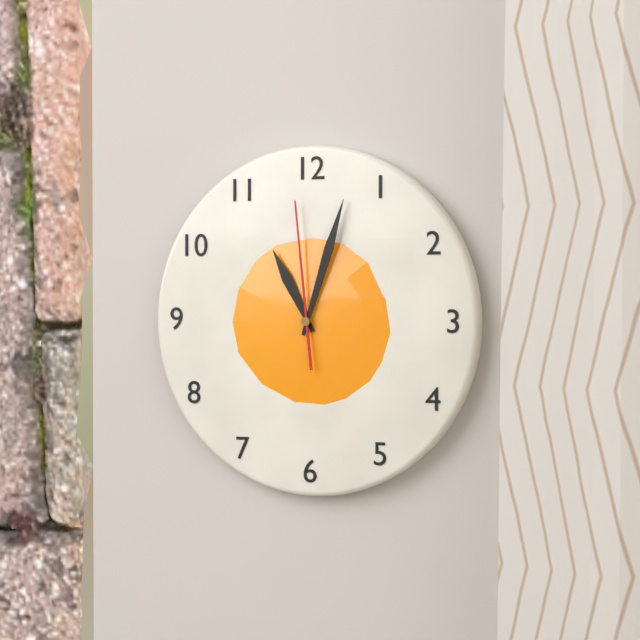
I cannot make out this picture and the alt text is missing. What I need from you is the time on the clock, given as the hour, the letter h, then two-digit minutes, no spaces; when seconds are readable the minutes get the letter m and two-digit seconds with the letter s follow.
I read 11h03m59s
